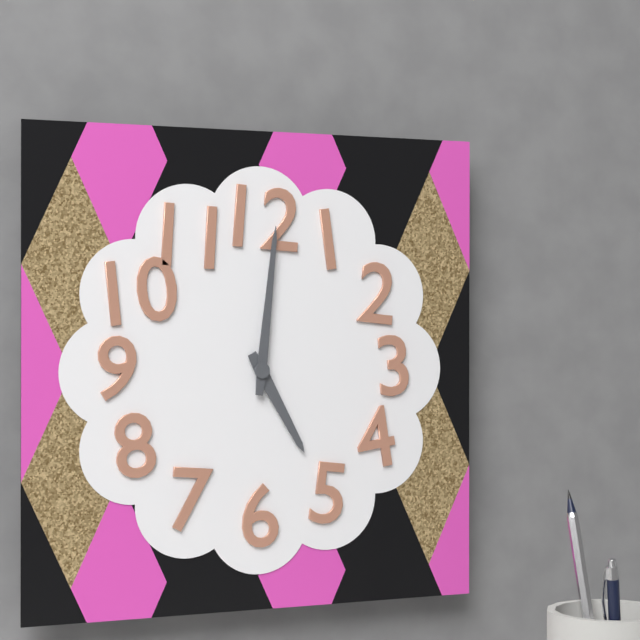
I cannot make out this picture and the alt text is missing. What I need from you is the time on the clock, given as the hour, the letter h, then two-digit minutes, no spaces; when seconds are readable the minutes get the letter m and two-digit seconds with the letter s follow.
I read 5h01
